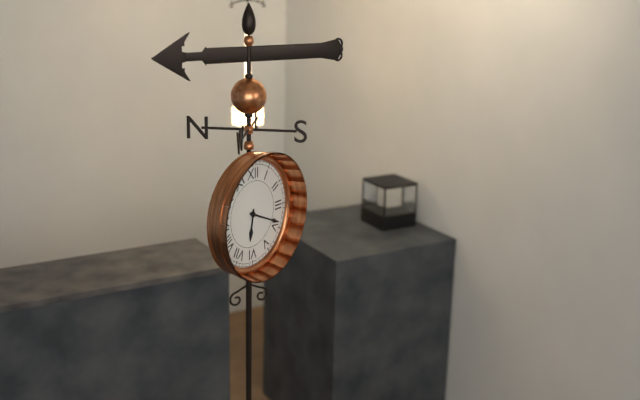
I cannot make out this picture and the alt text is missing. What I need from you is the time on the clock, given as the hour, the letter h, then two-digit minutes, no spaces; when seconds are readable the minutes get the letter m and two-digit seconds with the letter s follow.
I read 6h19
